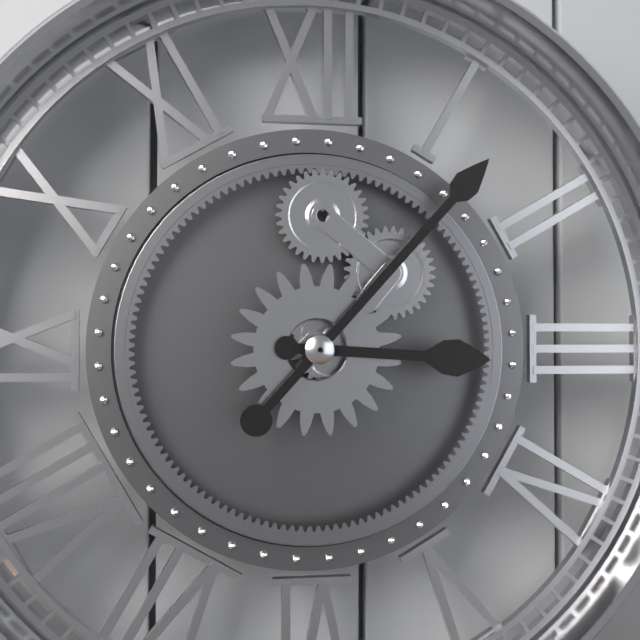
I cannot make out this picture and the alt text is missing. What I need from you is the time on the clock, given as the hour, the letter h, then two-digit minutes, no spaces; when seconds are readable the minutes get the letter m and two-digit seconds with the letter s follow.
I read 3h07
